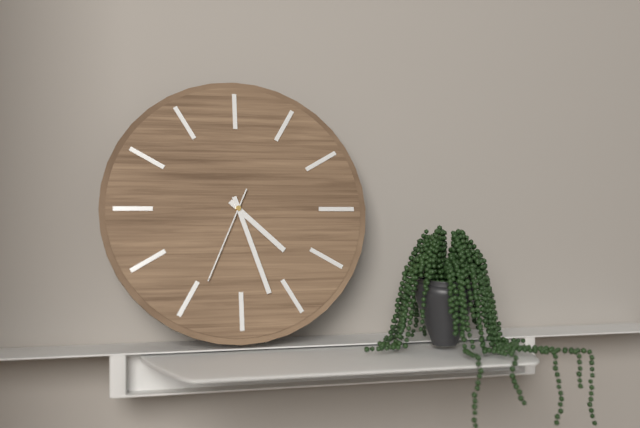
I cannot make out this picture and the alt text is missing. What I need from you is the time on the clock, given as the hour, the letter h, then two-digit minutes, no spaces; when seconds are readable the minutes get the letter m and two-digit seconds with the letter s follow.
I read 4h27m34s
